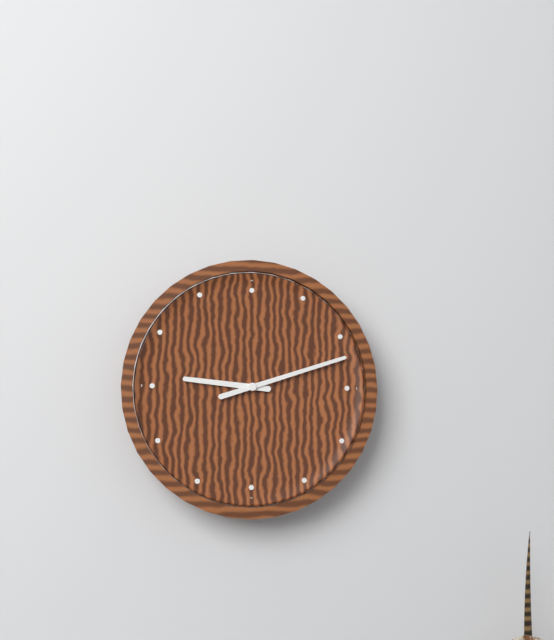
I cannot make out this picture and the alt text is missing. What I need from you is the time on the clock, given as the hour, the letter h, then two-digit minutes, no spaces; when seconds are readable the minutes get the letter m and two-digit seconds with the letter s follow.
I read 9h12
